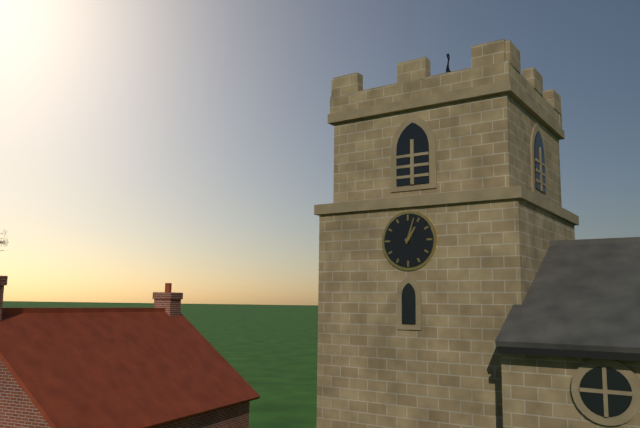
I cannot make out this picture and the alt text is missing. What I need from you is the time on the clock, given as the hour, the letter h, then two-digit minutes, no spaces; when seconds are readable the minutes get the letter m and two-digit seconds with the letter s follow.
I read 1h03
